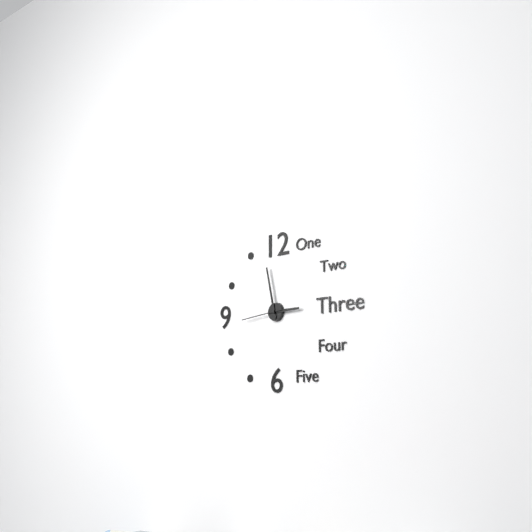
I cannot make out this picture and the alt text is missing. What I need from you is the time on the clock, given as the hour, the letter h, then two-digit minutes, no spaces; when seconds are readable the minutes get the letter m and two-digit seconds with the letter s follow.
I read 2h58
